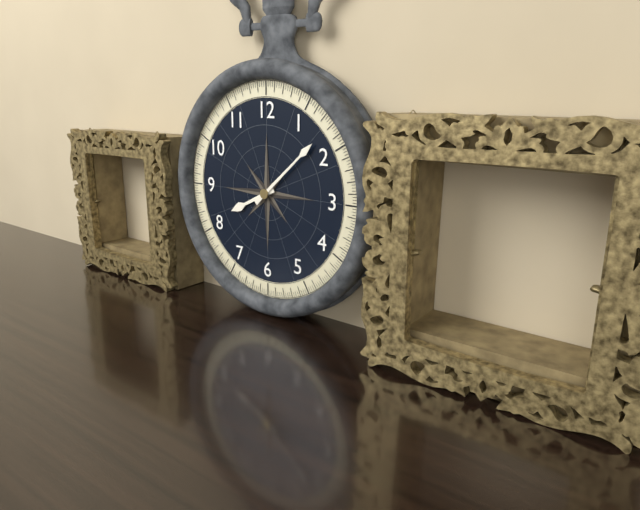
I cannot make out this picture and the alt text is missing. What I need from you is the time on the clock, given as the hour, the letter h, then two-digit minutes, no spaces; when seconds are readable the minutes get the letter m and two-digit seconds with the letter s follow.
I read 8h08
